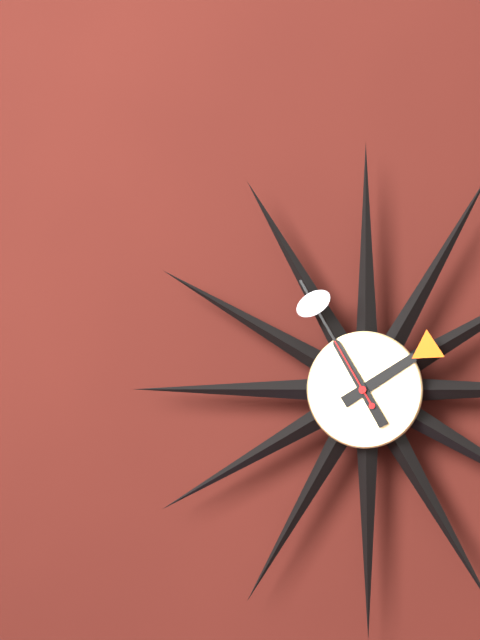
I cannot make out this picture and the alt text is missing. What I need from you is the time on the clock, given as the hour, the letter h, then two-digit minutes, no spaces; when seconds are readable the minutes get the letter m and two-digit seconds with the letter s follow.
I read 1h55m55s
